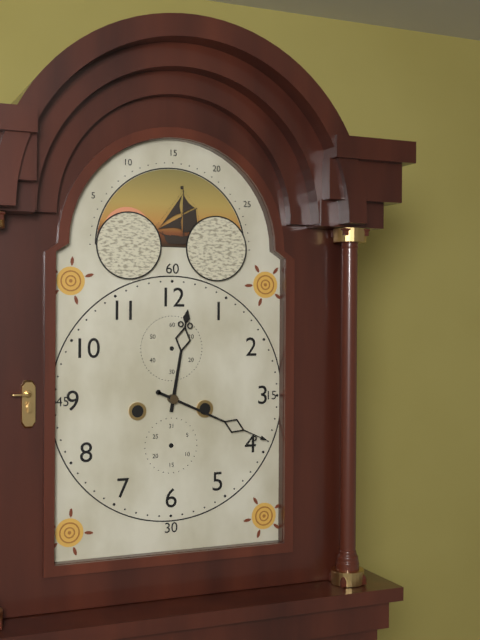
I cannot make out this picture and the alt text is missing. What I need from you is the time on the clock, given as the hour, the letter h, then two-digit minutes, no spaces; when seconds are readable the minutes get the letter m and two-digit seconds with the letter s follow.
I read 12h19
